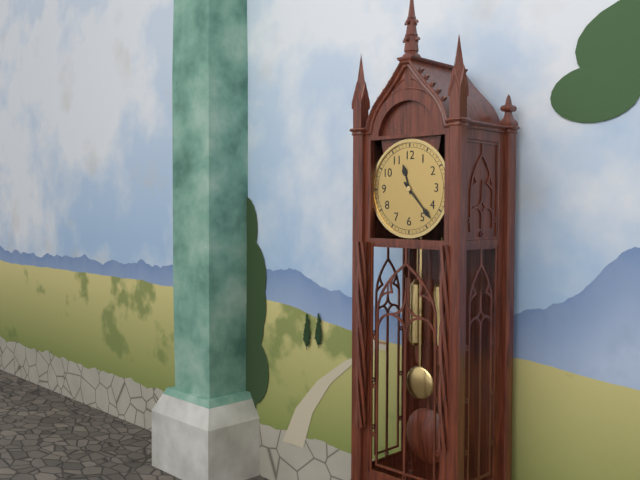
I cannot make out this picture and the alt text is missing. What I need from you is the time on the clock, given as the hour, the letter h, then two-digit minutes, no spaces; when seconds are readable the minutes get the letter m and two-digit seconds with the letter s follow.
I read 11h23
